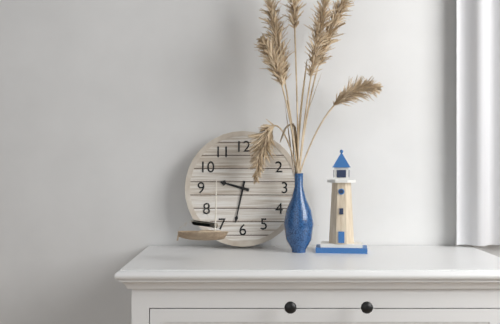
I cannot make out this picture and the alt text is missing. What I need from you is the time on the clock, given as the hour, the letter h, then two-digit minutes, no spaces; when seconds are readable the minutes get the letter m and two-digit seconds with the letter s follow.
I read 9h32
